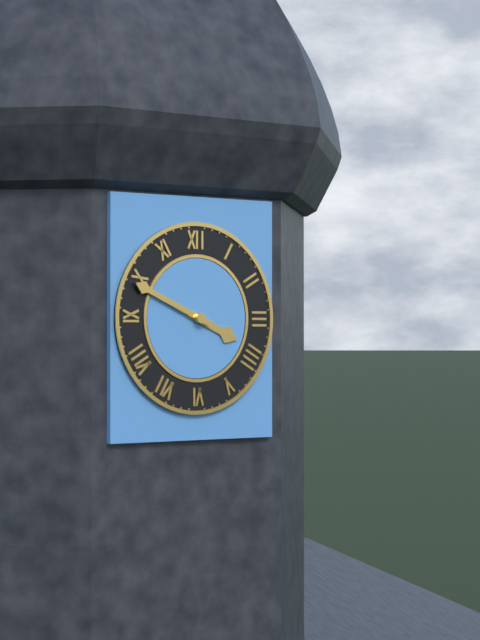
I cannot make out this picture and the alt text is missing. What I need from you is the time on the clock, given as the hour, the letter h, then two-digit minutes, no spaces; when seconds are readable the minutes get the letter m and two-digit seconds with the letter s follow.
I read 3h49
